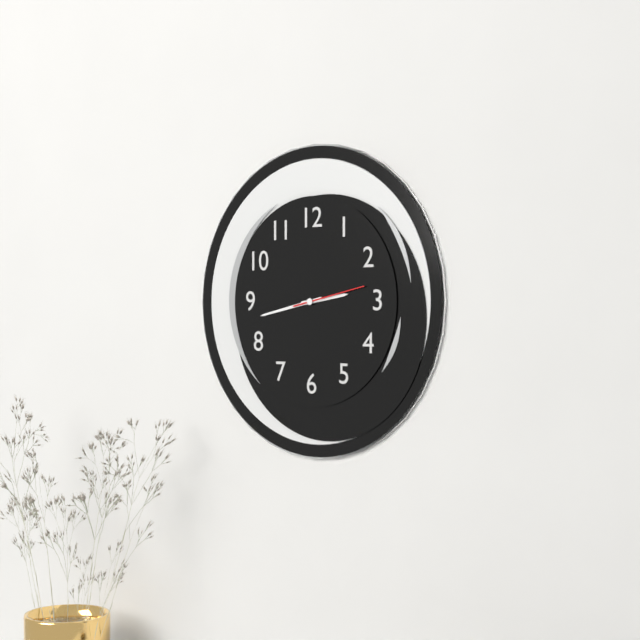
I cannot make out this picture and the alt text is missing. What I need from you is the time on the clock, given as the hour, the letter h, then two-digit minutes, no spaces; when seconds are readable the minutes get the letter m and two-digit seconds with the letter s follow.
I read 2h43m13s
